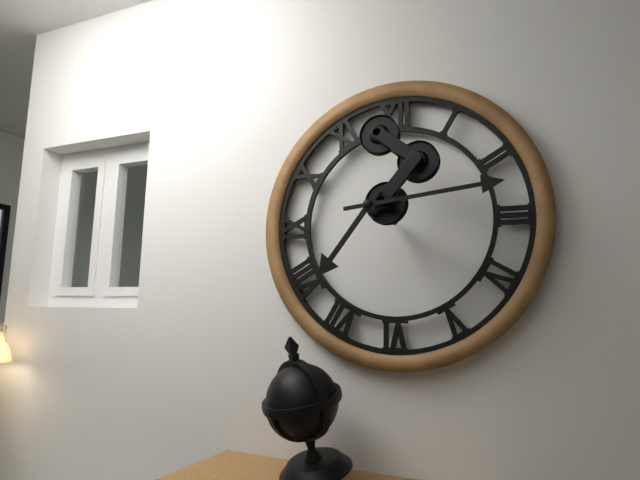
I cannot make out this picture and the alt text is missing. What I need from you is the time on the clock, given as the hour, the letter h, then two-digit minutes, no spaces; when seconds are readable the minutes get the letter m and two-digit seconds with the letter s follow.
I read 7h14
